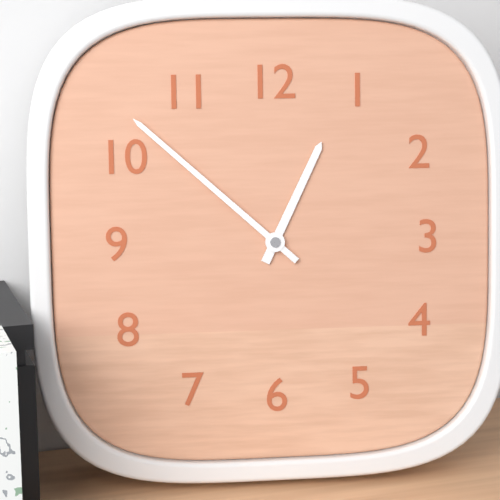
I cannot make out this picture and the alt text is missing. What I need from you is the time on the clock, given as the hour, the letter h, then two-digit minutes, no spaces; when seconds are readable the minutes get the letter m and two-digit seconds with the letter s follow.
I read 12h52
